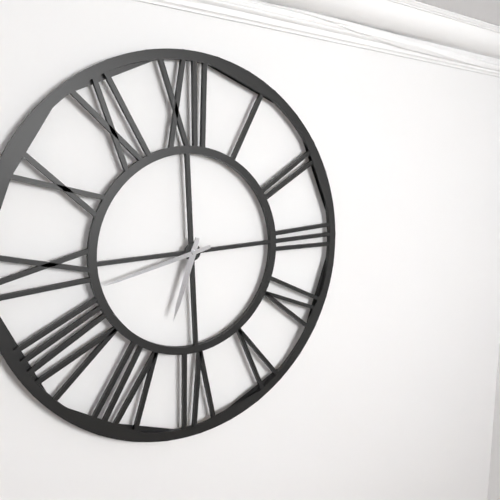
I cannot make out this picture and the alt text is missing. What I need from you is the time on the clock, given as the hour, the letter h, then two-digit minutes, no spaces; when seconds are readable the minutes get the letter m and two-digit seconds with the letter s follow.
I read 6h43
